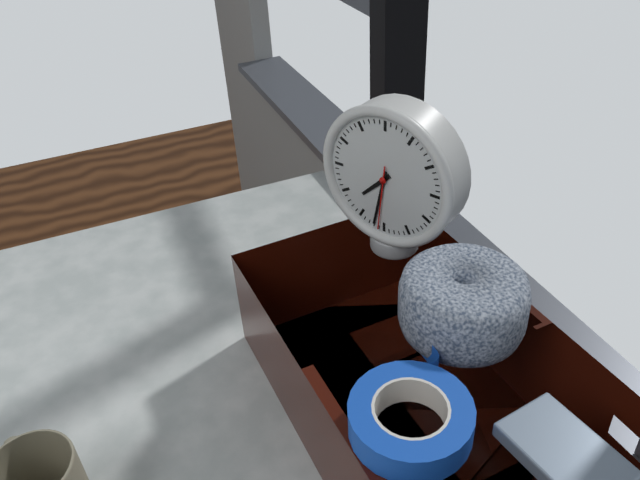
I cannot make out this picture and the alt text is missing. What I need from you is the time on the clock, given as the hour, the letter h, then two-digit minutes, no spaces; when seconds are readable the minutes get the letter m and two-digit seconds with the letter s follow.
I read 7h32m31s
